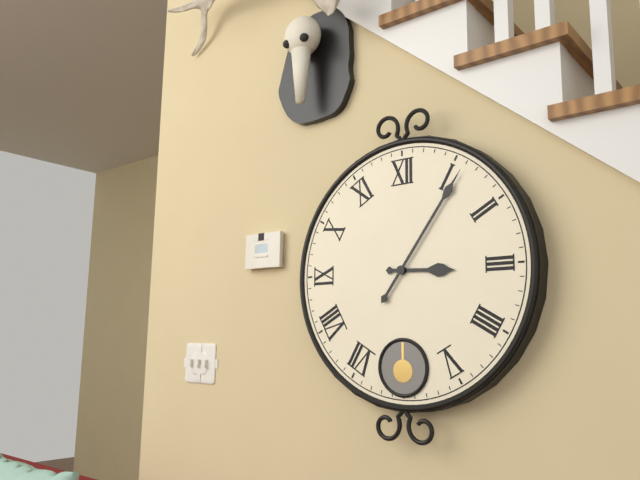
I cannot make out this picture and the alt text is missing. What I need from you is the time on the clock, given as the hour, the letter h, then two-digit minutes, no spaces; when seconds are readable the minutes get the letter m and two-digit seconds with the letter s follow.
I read 3h06
